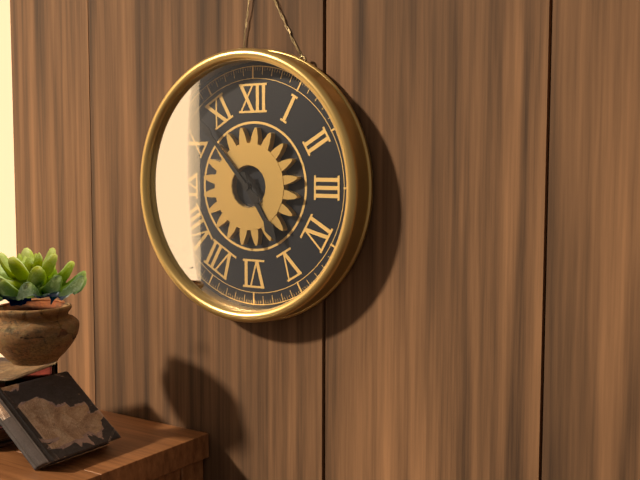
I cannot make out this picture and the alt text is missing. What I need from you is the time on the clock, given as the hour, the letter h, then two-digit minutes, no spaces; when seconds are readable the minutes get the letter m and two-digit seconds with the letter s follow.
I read 4h53
